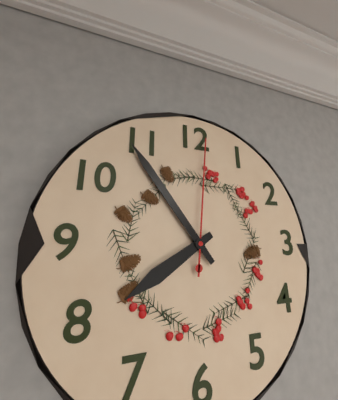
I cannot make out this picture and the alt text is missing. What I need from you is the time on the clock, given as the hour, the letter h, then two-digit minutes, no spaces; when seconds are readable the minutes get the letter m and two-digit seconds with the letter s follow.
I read 7h54m01s
